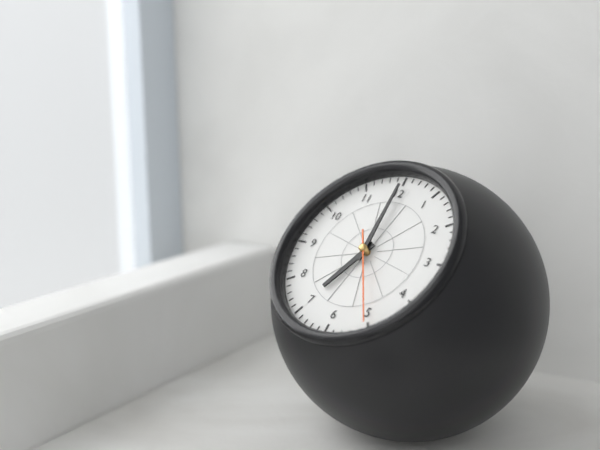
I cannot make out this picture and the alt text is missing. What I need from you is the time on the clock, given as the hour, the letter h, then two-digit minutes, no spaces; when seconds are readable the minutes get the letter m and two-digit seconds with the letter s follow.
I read 7h00m25s
